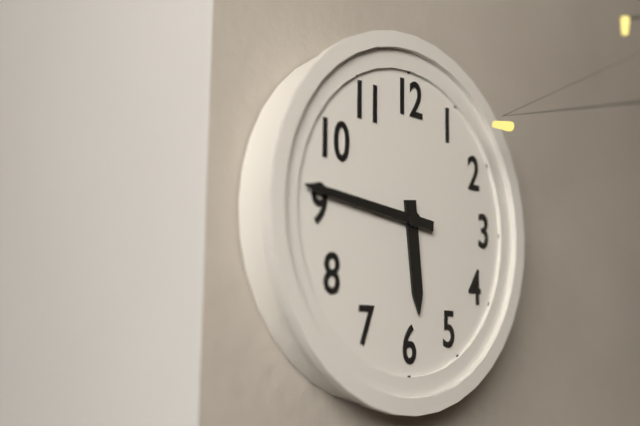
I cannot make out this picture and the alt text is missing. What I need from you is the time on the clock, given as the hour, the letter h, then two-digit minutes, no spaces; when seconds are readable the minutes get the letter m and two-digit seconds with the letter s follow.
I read 5h46
